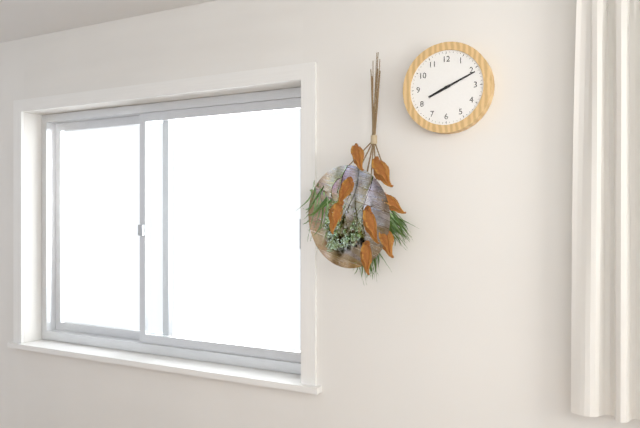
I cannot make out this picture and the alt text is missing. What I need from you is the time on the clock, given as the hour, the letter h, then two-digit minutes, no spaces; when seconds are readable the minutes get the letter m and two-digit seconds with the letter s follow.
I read 8h11
